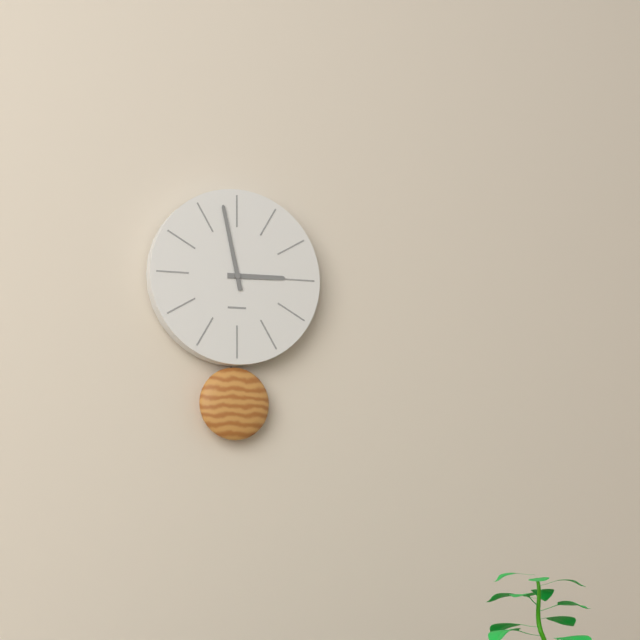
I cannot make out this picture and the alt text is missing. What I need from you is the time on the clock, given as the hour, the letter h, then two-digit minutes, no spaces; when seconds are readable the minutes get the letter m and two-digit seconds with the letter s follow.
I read 2h58
